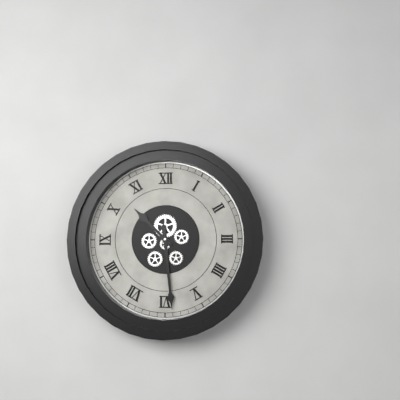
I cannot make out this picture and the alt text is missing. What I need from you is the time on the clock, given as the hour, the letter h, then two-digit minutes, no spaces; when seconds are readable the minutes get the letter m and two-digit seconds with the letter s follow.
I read 10h29
